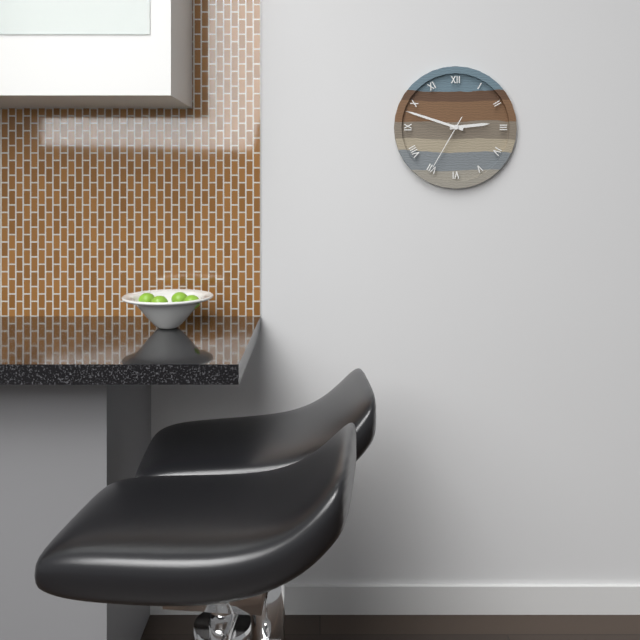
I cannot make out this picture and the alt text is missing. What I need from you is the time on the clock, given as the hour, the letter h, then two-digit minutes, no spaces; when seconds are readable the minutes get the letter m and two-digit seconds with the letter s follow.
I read 2h48m35s
